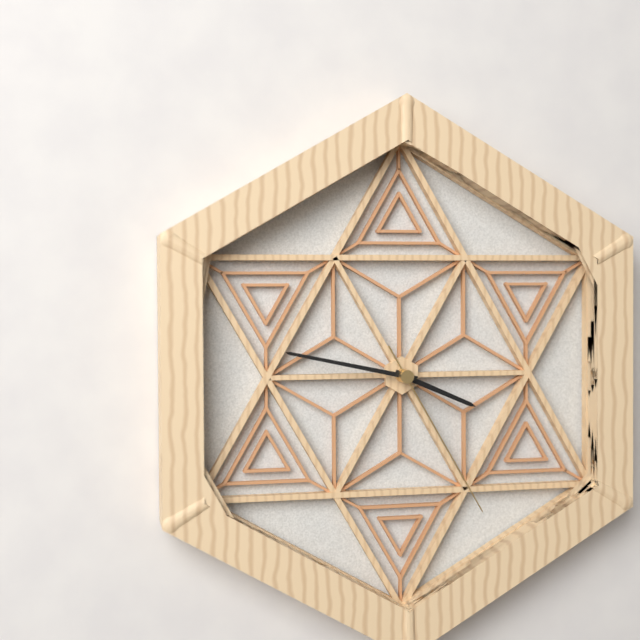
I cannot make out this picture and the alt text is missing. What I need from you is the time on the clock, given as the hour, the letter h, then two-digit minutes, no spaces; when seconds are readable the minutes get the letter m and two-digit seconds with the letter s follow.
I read 3h47m25s
